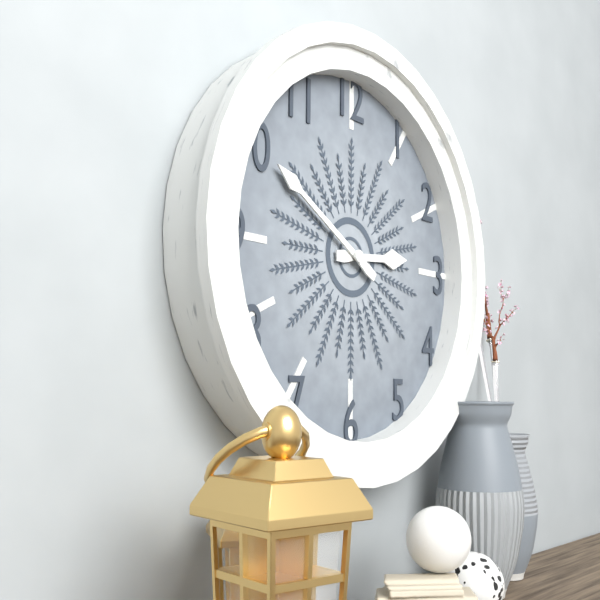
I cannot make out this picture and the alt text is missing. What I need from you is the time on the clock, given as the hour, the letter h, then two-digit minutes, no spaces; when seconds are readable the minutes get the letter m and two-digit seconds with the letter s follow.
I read 2h50
